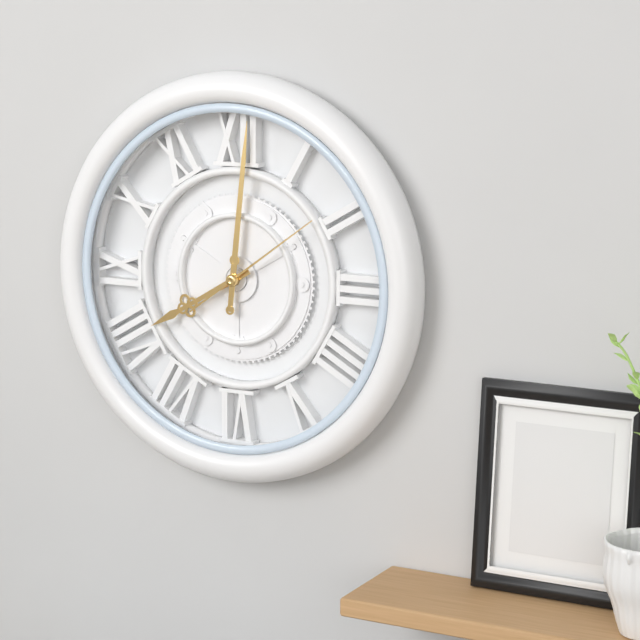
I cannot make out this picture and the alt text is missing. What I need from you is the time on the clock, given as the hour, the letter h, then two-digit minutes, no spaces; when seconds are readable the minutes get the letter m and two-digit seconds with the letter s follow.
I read 8h01m09s
